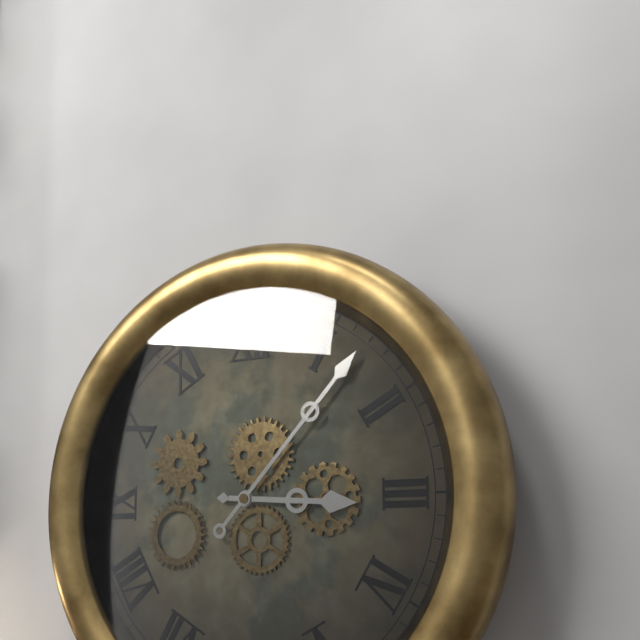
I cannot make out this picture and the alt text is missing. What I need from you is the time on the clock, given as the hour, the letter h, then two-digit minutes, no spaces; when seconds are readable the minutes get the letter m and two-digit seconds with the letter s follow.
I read 3h07
